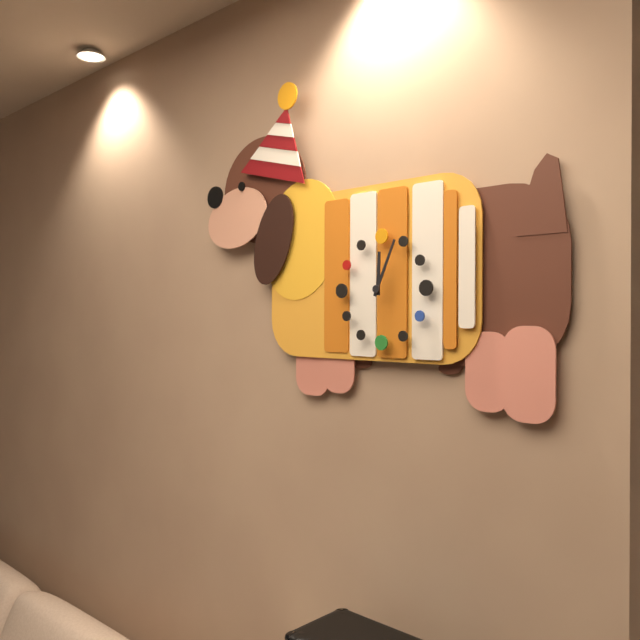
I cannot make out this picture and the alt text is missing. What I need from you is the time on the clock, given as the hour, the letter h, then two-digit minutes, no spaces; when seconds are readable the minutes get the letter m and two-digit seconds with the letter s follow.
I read 12h04
